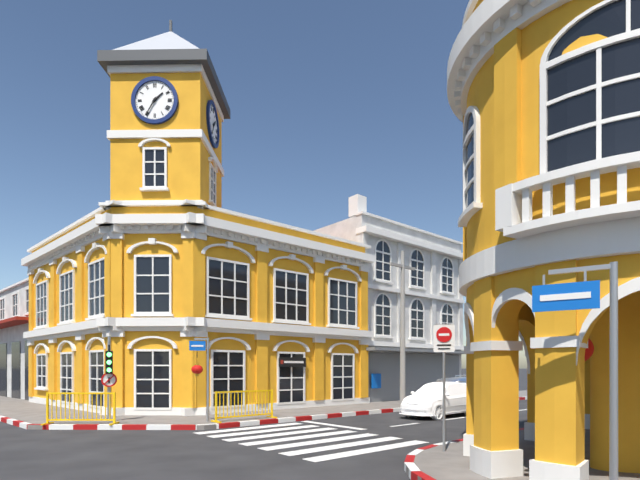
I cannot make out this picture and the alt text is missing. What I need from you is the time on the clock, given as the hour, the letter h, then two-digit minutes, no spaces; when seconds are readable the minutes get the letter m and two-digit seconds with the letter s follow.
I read 1h35
